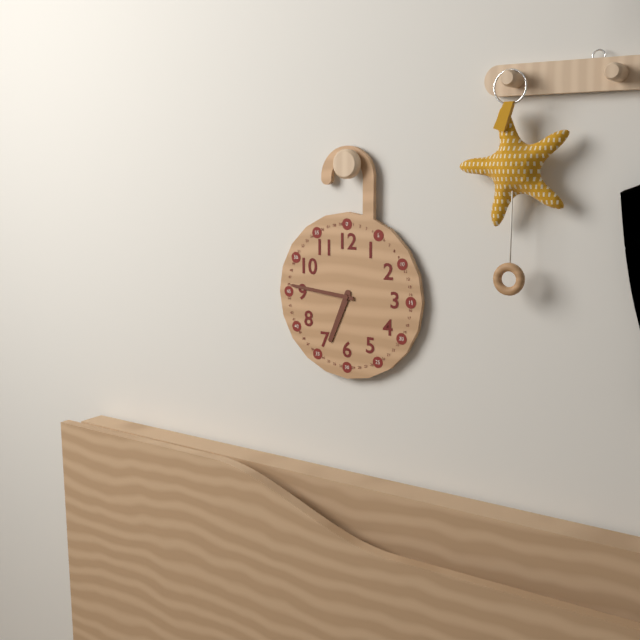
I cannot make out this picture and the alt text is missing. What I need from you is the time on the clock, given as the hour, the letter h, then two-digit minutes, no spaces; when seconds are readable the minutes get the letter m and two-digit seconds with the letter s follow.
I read 6h46
